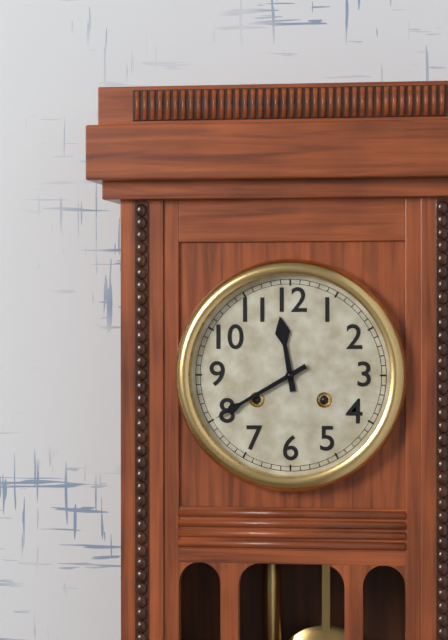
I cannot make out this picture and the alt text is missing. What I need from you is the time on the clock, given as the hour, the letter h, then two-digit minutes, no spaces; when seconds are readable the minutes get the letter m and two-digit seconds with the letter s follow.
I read 11h40
